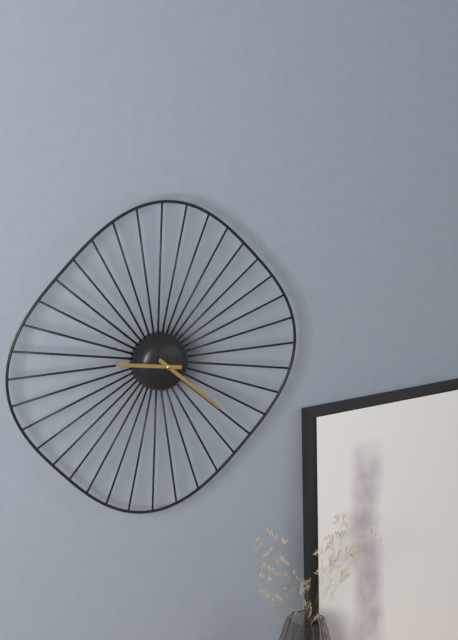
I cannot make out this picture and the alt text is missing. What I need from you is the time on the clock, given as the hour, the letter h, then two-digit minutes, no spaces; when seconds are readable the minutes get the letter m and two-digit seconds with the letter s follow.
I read 9h22
